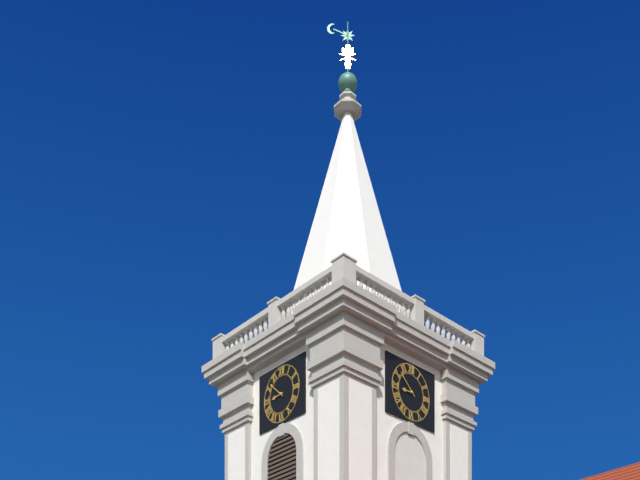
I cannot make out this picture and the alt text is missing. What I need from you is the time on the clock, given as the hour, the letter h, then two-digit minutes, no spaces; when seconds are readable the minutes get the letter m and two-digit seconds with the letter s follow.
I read 8h52
